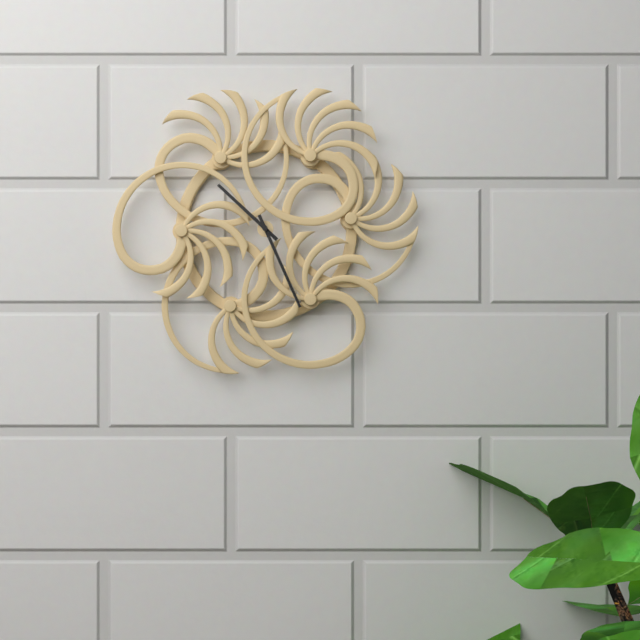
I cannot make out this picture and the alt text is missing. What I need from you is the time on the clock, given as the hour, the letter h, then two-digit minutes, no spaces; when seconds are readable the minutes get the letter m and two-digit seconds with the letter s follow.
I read 10h26
